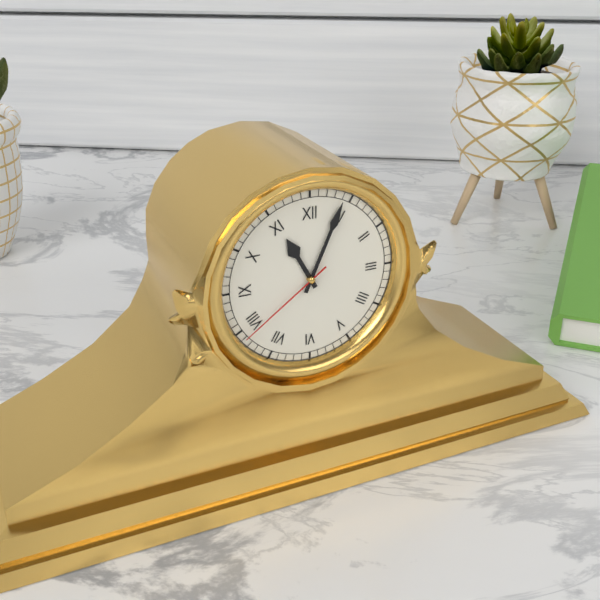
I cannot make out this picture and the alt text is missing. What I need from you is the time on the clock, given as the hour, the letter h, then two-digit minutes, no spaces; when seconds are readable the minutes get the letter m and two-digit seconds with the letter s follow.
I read 11h04m39s
